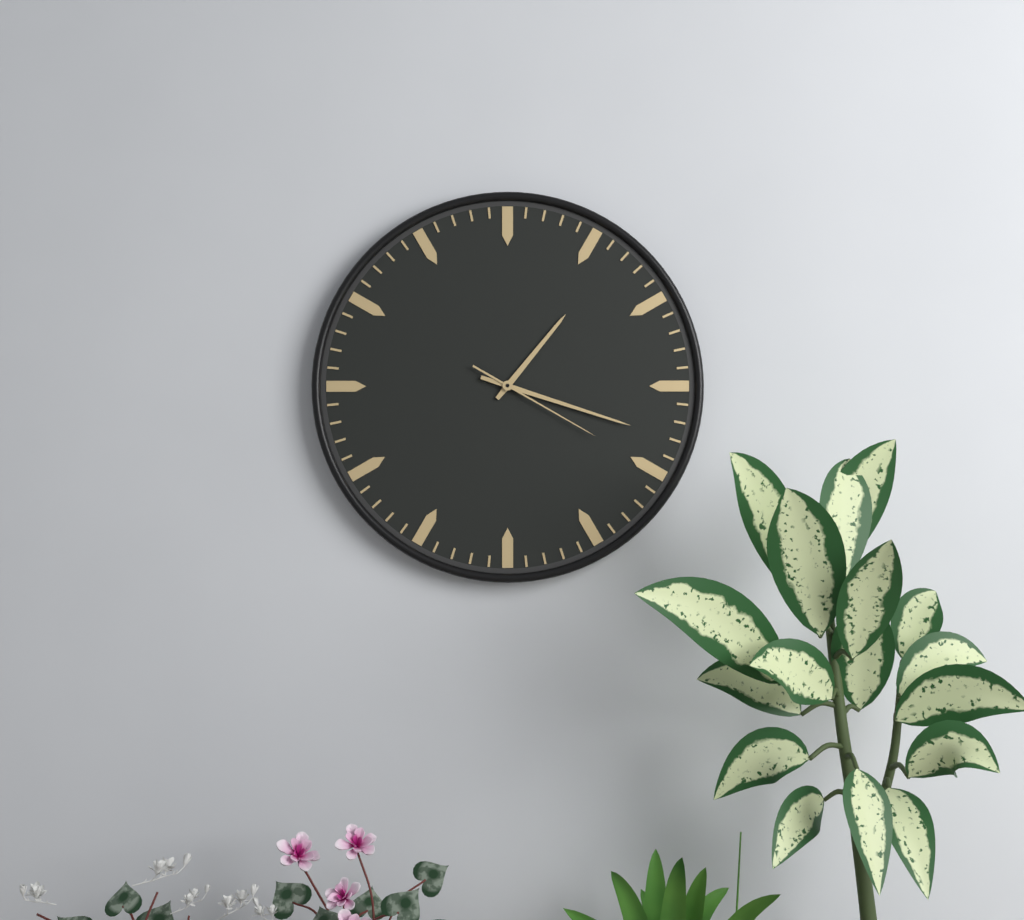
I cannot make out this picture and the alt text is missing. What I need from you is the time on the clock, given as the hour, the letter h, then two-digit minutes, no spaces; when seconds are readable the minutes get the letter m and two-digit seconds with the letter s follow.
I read 1h18m20s
